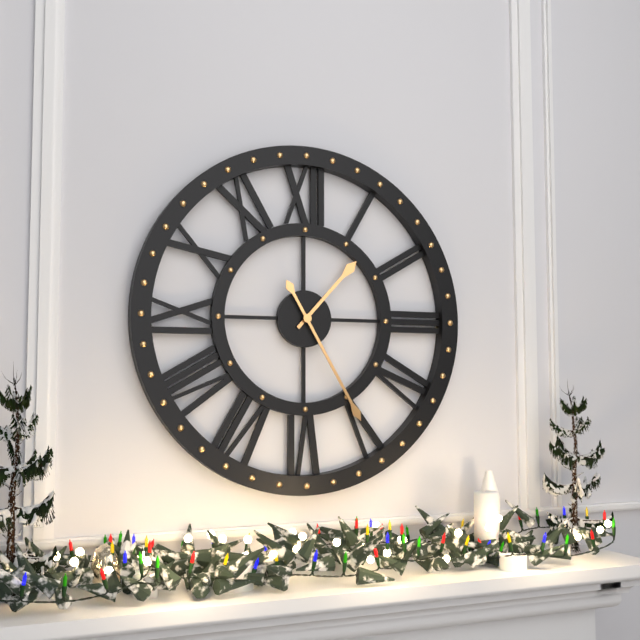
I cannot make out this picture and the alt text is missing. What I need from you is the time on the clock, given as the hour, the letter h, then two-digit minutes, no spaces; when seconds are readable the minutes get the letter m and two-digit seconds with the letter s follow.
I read 1h25
